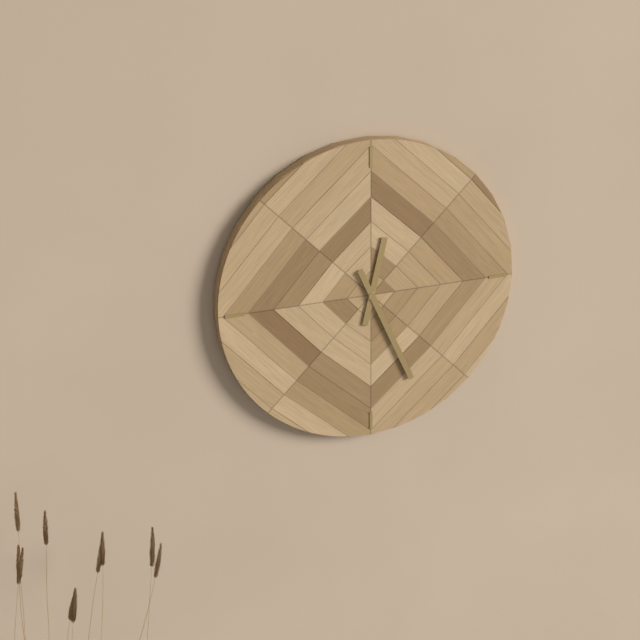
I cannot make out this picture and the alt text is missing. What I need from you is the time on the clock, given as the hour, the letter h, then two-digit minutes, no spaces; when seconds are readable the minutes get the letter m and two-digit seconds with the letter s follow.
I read 12h26
